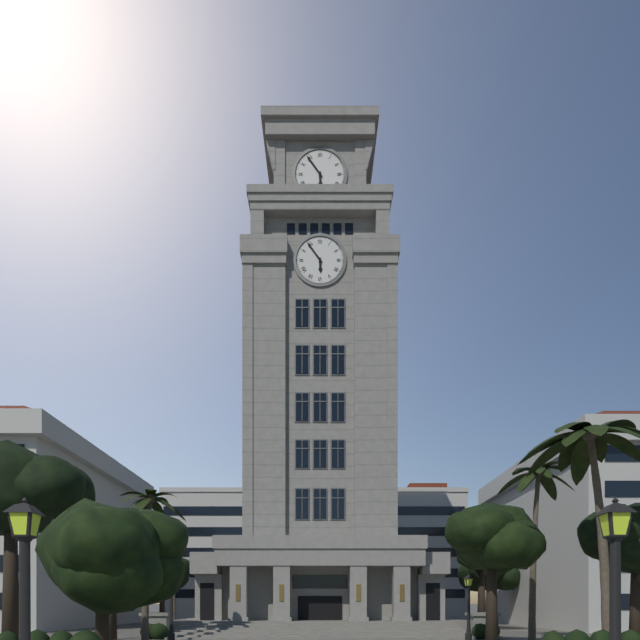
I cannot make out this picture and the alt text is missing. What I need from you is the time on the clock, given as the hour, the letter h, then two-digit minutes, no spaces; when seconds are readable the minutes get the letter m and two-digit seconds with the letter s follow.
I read 5h54
